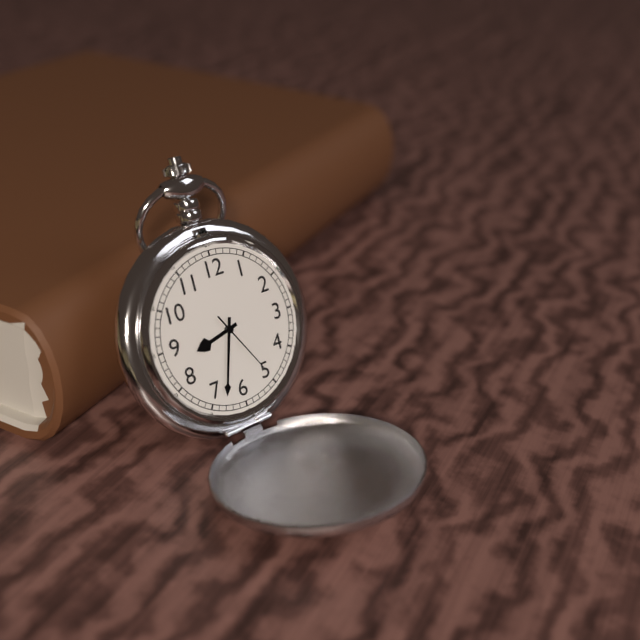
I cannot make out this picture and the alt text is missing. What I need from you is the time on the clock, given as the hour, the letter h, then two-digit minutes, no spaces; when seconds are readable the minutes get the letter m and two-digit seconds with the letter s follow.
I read 8h33m25s
